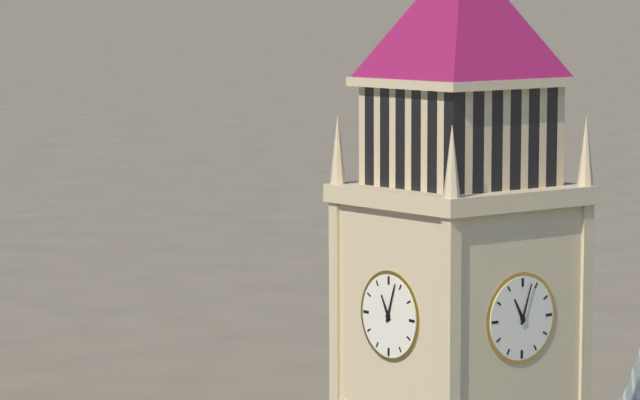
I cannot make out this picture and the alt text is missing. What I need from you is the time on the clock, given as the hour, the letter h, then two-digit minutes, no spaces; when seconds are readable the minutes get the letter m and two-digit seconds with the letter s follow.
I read 11h03
